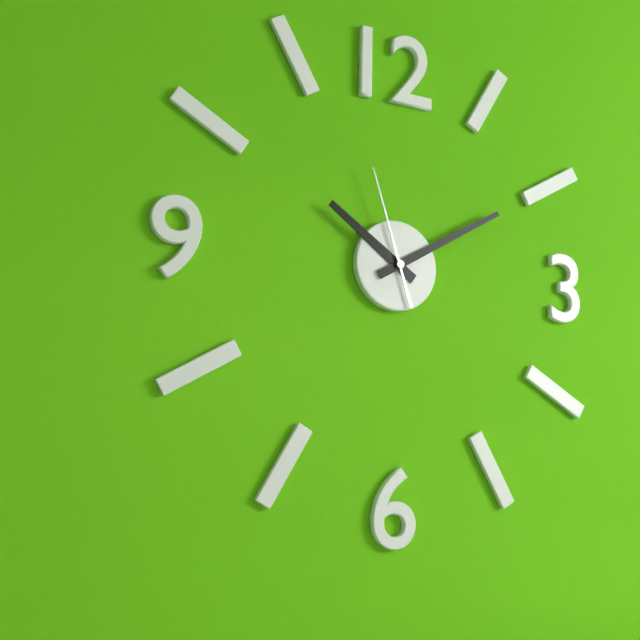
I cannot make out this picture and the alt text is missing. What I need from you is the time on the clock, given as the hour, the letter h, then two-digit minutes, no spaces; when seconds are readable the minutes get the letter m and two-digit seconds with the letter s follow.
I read 10h10m57s
